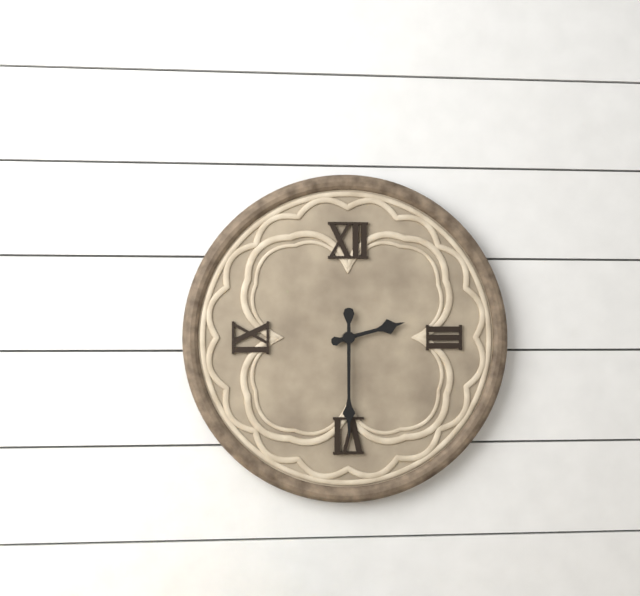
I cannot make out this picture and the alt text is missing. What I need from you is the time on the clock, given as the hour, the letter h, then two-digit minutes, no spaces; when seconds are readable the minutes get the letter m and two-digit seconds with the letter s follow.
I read 2h30
